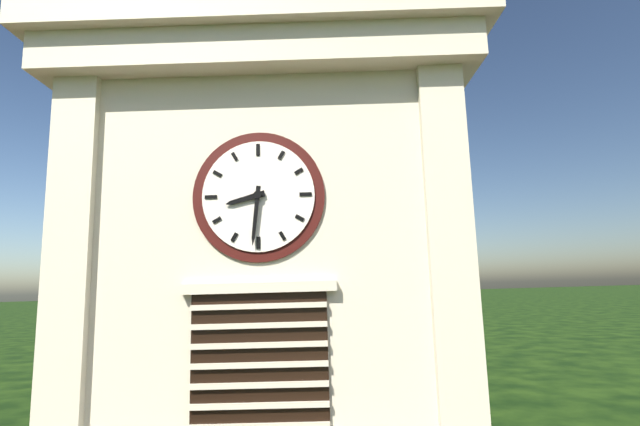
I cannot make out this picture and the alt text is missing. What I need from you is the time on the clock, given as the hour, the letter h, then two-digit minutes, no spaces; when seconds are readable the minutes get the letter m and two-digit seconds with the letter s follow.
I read 8h31
